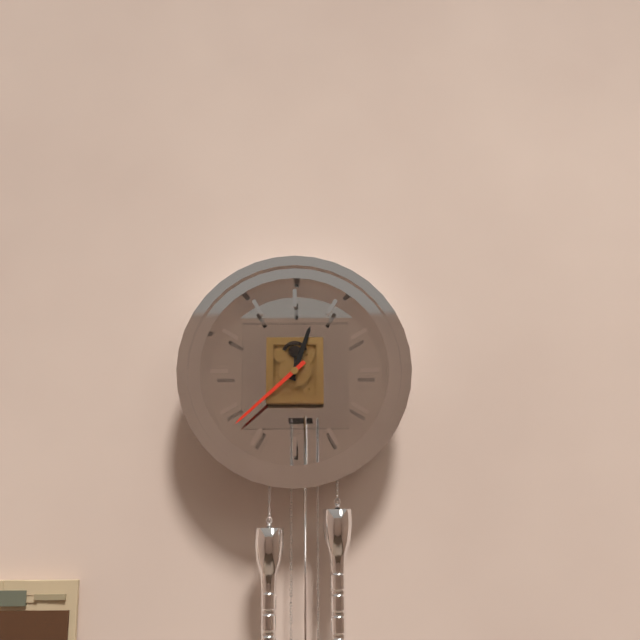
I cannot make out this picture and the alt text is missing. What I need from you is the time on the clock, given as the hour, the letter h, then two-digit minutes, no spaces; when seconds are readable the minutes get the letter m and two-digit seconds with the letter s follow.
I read 12h38
